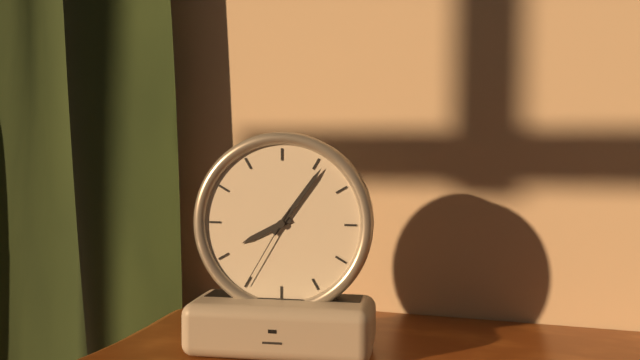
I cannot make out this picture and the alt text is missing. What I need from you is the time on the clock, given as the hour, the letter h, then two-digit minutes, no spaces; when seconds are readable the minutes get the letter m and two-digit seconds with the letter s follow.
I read 8h06m35s
